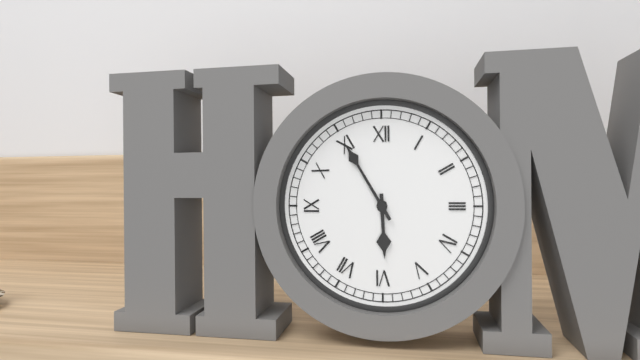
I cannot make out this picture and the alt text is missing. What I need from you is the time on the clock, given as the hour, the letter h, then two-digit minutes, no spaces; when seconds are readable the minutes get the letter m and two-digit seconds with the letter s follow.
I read 5h55
